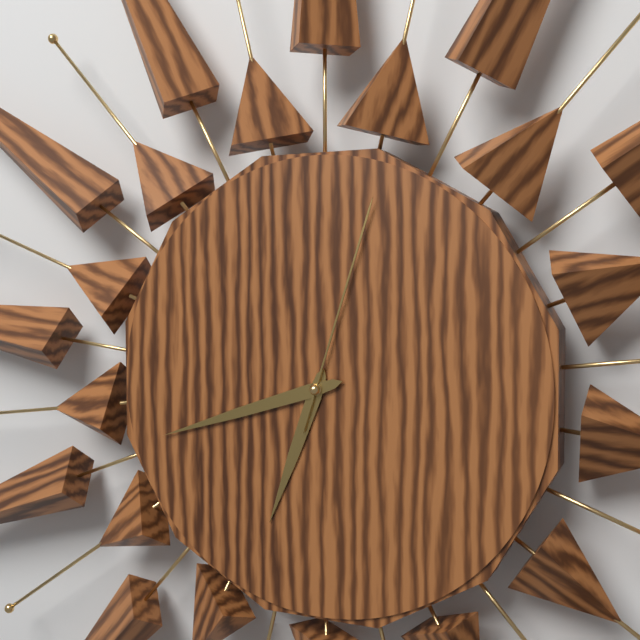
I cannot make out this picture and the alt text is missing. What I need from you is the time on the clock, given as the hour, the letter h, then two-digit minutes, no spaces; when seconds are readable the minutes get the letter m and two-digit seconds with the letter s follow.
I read 6h42m03s
